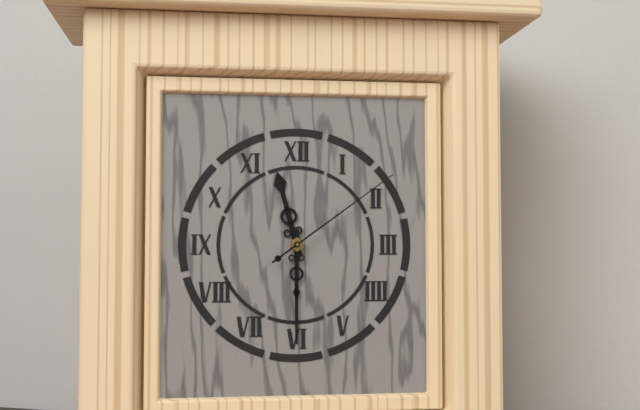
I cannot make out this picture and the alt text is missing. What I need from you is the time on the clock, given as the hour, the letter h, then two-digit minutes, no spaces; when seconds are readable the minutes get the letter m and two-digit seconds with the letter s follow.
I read 11h30m09s
